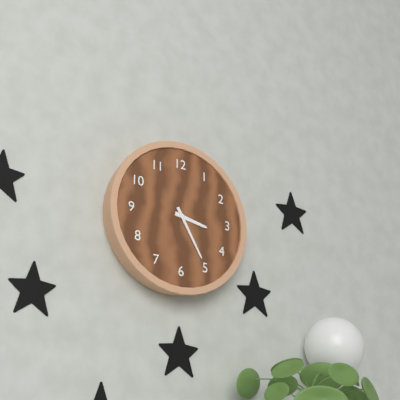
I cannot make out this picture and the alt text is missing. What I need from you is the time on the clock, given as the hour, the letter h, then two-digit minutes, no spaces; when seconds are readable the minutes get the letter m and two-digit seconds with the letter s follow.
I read 3h25
